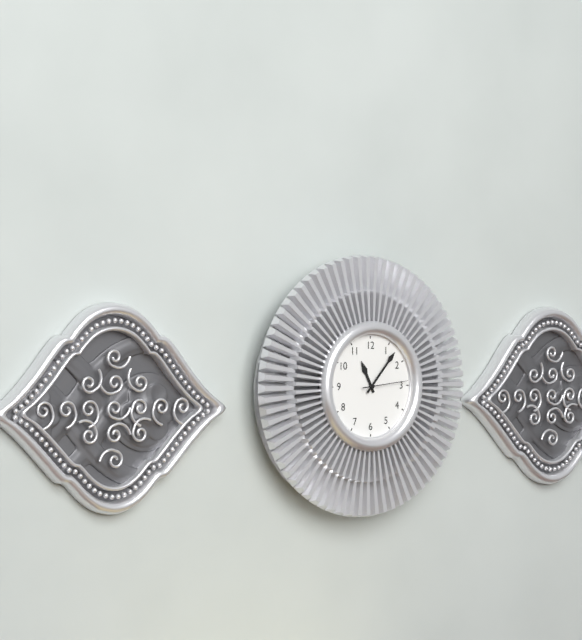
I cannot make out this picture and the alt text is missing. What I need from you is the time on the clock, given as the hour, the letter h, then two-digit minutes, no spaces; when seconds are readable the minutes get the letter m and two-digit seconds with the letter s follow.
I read 11h07
